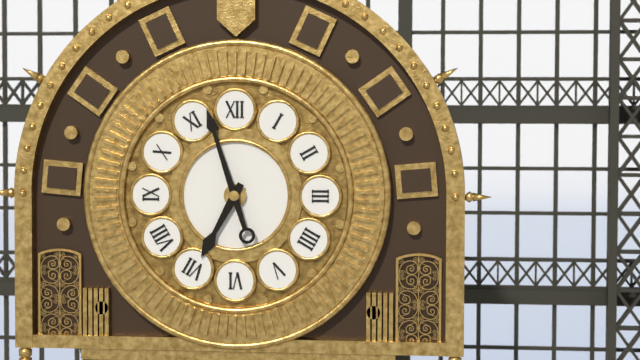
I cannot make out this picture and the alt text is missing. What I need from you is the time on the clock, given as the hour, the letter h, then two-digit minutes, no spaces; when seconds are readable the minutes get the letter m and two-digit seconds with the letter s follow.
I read 6h57
